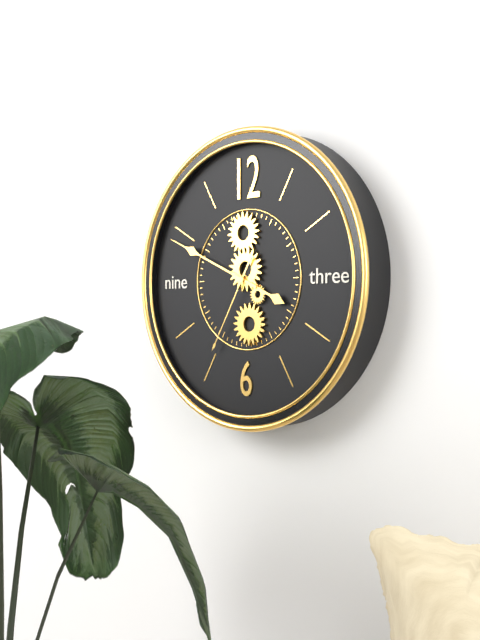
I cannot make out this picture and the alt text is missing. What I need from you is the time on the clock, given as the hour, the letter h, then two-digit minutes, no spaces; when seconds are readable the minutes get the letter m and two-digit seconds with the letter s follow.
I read 3h49m35s
